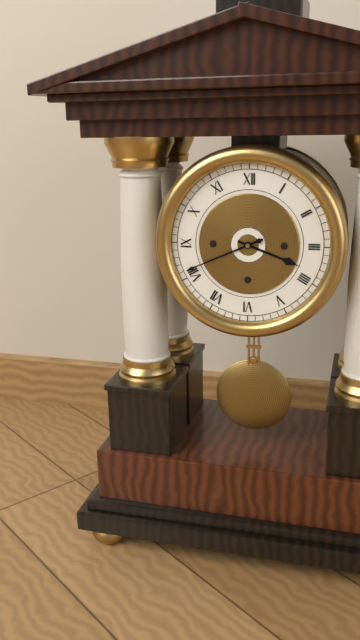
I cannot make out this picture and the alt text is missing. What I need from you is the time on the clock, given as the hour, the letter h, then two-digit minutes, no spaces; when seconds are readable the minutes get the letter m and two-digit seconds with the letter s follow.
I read 3h41
